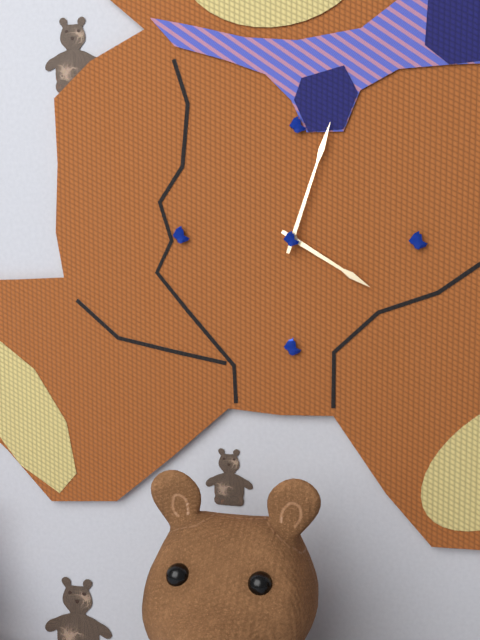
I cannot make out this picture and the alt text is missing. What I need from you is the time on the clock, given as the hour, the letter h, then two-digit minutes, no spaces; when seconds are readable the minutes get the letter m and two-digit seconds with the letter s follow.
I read 4h03
